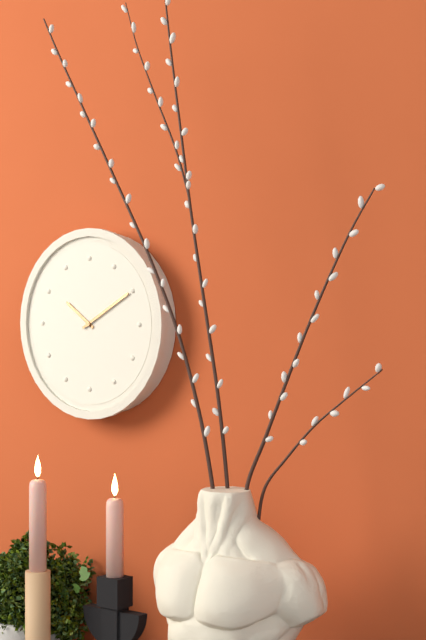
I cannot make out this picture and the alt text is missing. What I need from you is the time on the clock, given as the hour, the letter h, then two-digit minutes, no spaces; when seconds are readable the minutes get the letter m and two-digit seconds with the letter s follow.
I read 10h10
